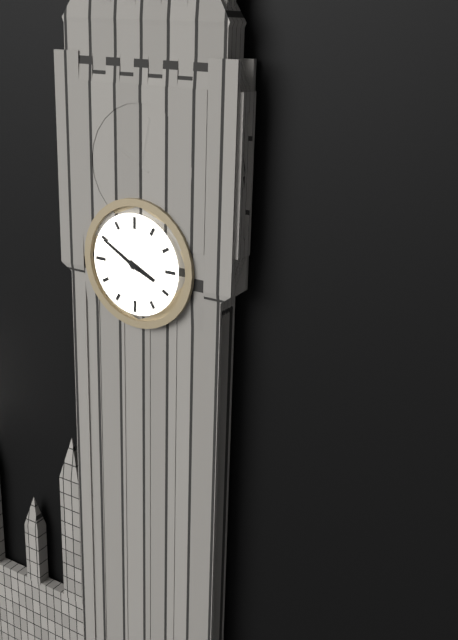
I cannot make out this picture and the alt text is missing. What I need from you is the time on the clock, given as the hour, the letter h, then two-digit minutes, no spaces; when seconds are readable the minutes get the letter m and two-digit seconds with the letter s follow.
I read 3h50
